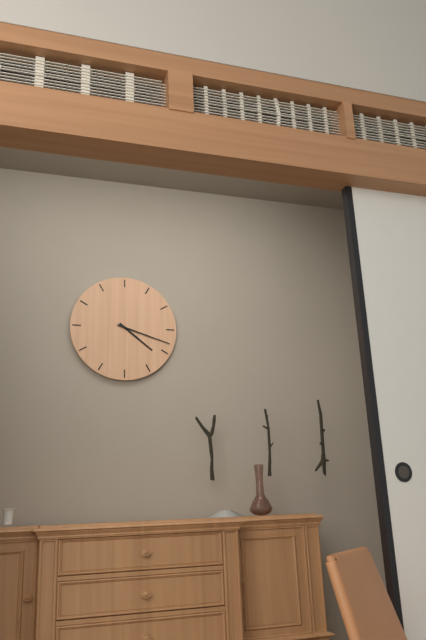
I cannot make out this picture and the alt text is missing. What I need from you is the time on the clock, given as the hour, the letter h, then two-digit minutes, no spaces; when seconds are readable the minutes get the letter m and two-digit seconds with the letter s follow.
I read 4h18
